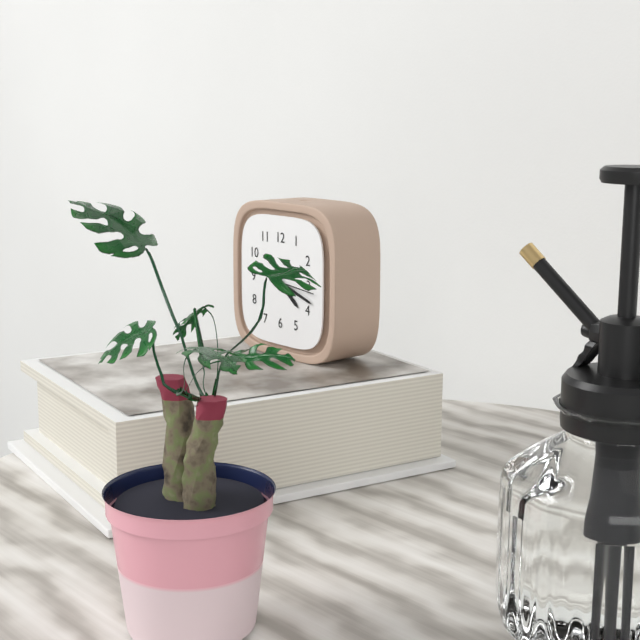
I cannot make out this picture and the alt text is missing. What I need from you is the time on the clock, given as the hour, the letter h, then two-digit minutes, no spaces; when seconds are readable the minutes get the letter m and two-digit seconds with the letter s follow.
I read 4h18
